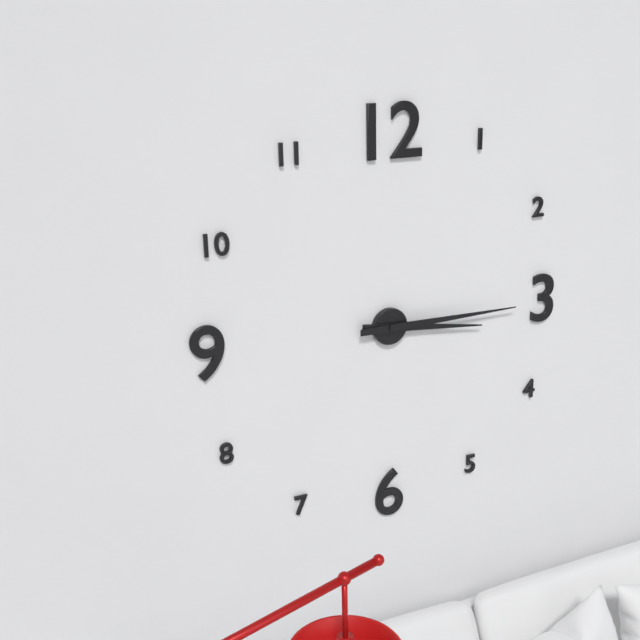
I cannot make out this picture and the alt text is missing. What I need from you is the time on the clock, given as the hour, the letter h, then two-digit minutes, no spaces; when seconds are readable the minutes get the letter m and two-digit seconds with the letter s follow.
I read 3h15
